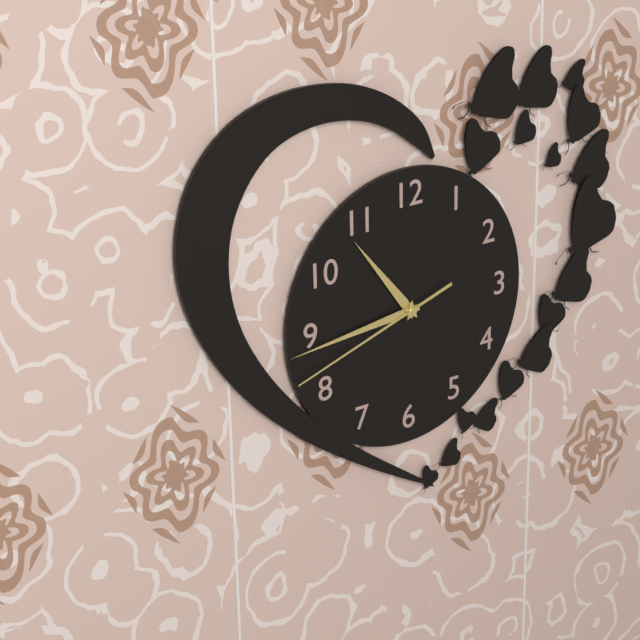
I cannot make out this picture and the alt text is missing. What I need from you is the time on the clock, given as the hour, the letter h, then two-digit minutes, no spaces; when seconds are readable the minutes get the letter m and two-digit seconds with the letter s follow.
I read 10h44m42s
